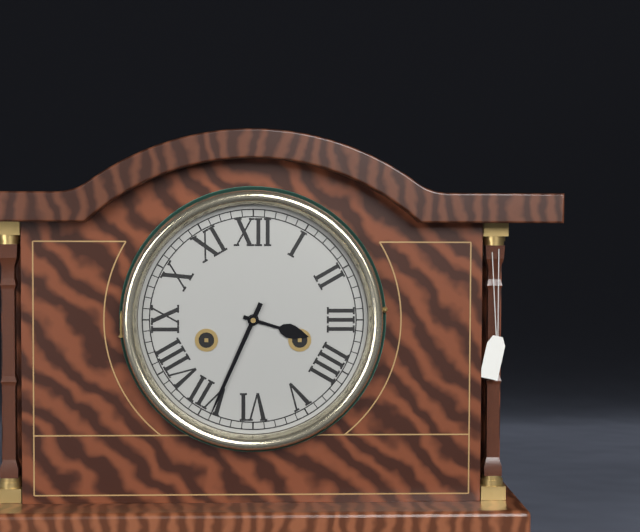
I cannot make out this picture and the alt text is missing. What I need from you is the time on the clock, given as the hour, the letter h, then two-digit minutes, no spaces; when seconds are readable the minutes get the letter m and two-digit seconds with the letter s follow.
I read 3h34
